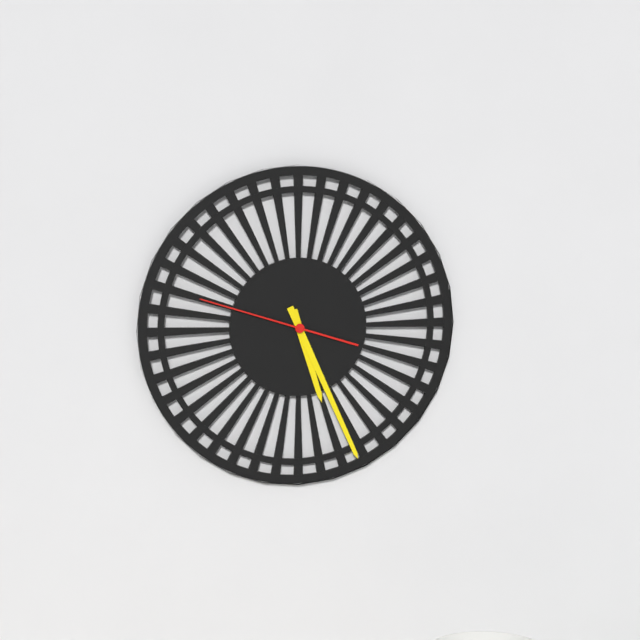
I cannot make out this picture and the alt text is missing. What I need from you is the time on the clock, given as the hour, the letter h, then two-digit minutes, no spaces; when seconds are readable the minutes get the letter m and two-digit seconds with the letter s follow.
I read 5h26m48s
